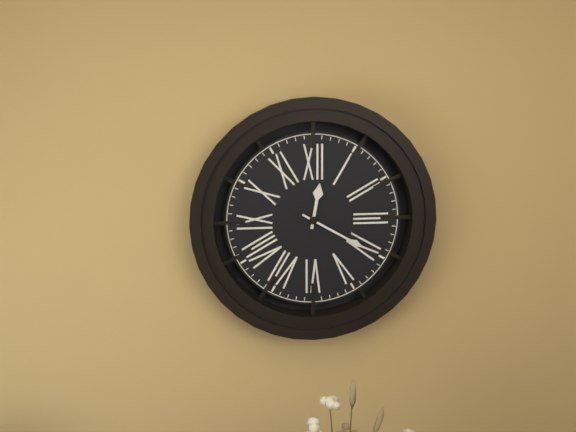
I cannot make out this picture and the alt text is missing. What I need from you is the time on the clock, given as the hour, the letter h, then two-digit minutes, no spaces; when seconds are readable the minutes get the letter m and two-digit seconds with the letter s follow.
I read 12h20
